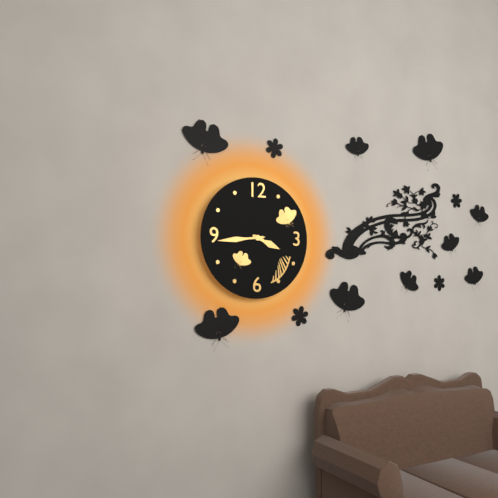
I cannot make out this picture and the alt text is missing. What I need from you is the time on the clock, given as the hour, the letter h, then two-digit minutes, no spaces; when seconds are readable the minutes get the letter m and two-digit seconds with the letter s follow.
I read 3h44
